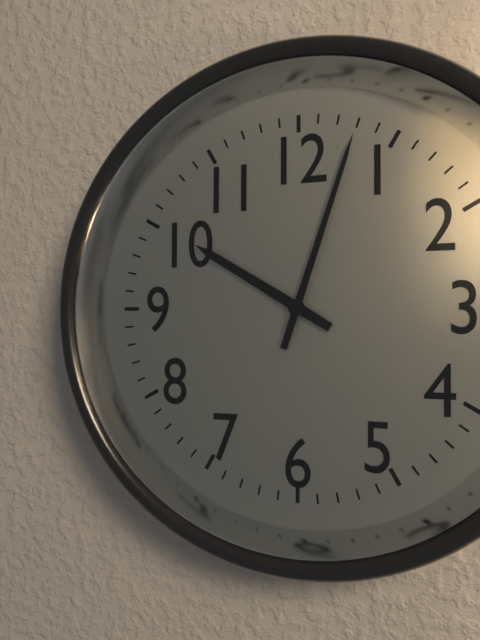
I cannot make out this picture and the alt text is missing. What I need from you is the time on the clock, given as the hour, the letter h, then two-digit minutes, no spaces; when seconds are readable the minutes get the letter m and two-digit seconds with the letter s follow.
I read 10h03
